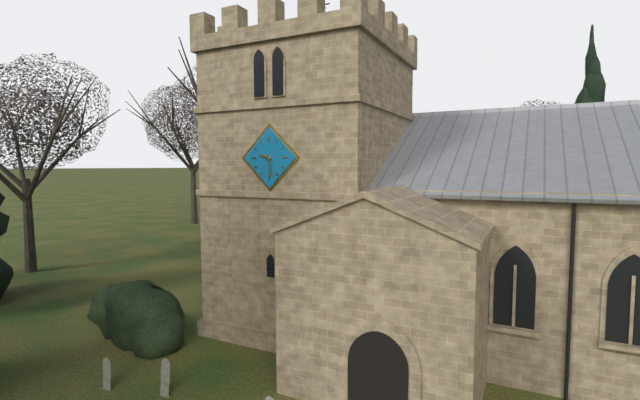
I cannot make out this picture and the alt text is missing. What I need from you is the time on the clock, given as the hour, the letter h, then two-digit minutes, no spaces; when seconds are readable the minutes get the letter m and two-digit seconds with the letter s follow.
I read 9h28
